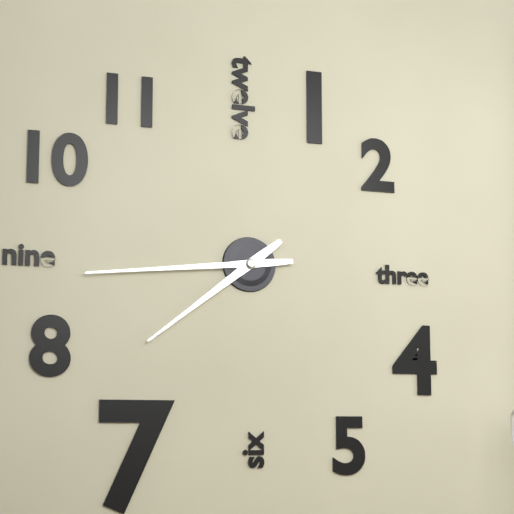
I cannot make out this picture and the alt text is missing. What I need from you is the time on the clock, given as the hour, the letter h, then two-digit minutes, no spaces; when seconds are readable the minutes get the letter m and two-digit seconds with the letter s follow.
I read 7h44
